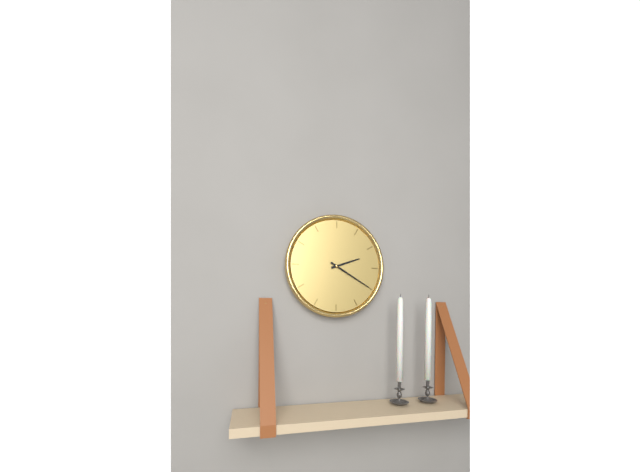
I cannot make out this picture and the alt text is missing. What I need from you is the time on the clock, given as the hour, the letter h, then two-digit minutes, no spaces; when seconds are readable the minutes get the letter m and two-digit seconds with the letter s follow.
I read 2h20
